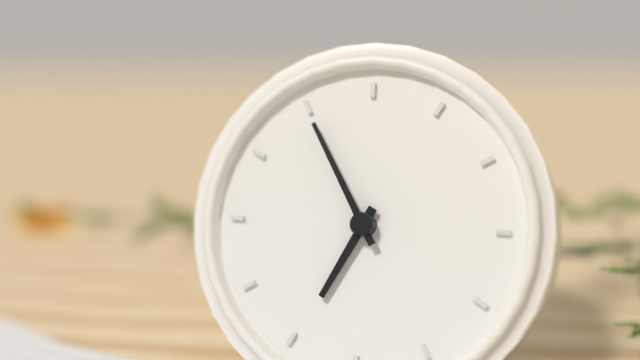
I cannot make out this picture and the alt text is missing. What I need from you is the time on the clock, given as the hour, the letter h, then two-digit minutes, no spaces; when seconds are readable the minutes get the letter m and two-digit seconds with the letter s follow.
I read 6h55
